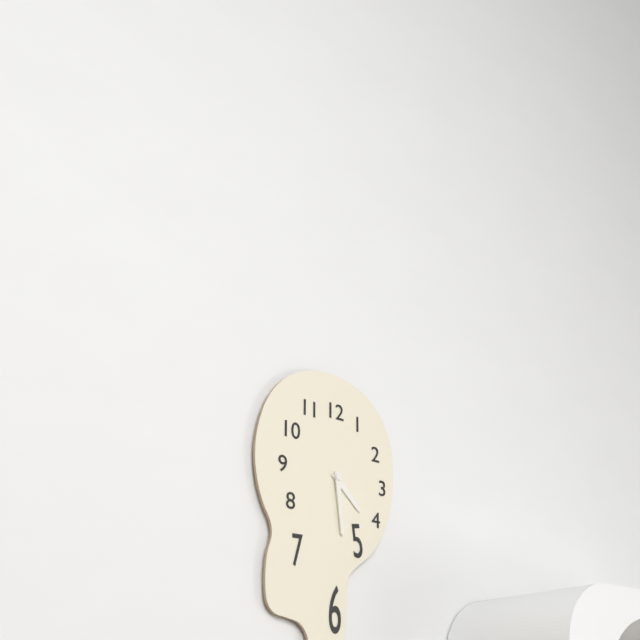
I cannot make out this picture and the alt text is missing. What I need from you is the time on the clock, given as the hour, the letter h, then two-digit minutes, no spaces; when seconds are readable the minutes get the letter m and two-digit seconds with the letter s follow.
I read 4h29
